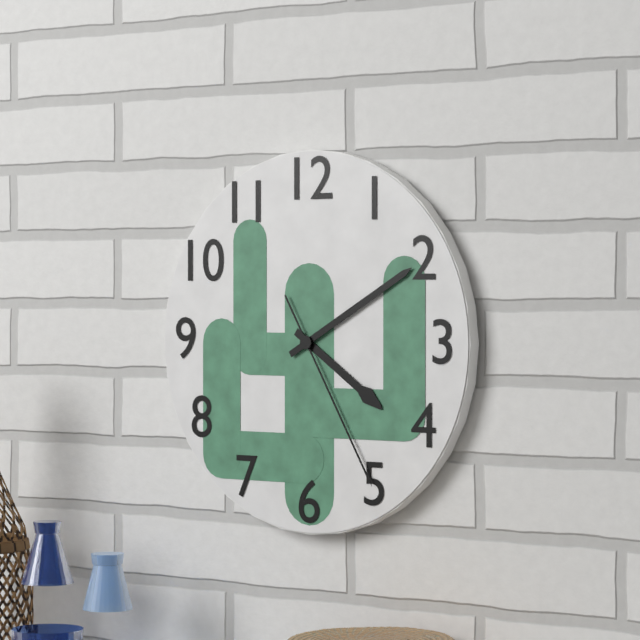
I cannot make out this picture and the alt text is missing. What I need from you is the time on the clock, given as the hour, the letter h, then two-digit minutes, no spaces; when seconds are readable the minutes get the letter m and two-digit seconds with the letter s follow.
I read 4h10m25s
